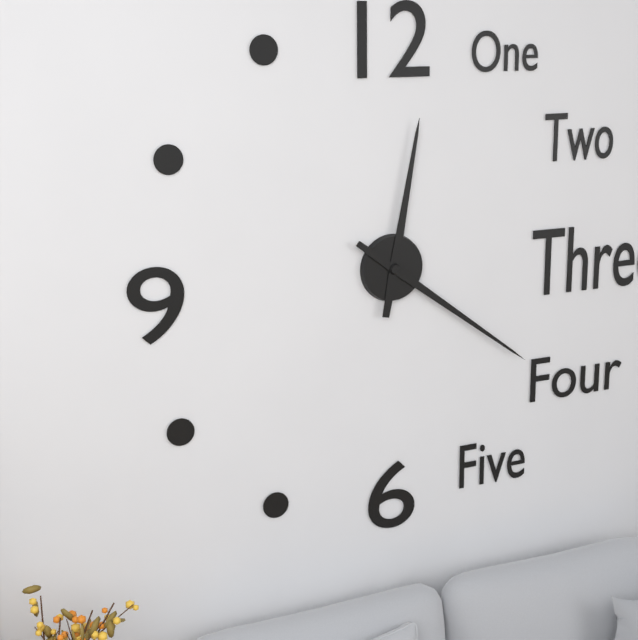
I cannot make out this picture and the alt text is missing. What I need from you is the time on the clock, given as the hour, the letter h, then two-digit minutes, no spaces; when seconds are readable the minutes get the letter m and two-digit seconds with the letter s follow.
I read 12h21
